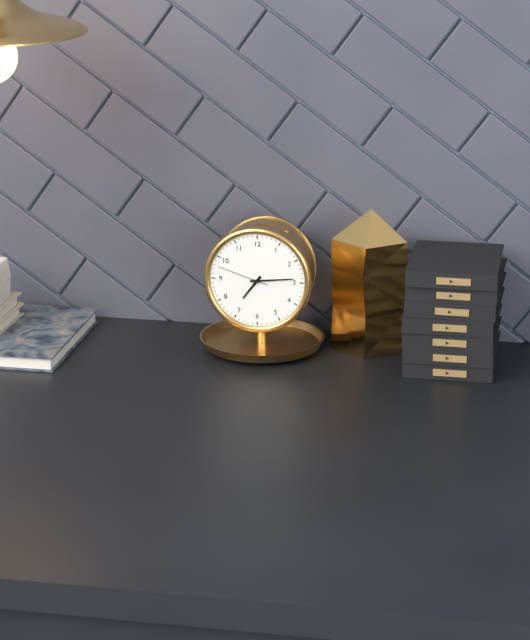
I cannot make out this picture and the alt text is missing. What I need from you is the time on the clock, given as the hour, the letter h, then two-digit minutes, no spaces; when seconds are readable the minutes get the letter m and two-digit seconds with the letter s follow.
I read 7h14m48s
